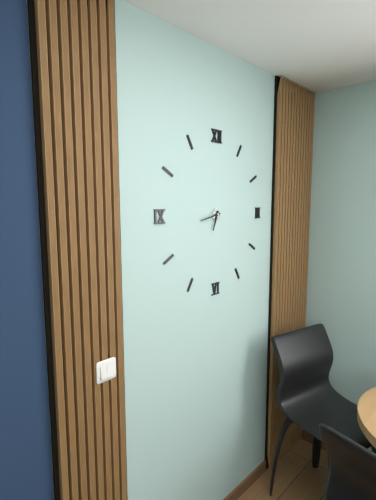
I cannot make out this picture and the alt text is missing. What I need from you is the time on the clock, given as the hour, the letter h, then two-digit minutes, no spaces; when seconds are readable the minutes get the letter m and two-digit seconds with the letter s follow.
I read 6h43
